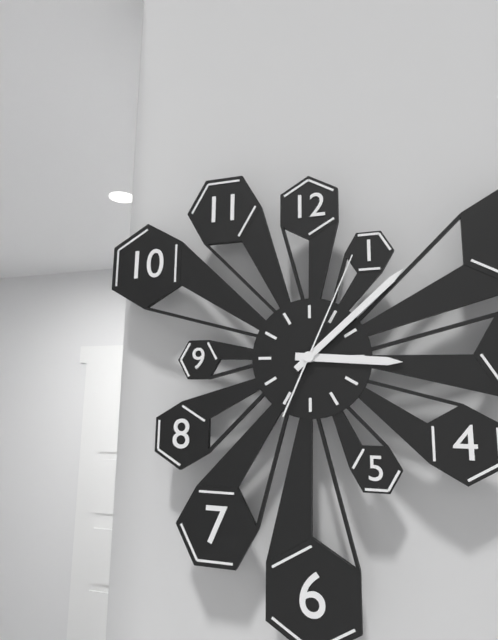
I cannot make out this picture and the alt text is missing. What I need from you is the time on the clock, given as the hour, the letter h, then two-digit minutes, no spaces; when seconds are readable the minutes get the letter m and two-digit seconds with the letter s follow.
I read 3h08m04s
